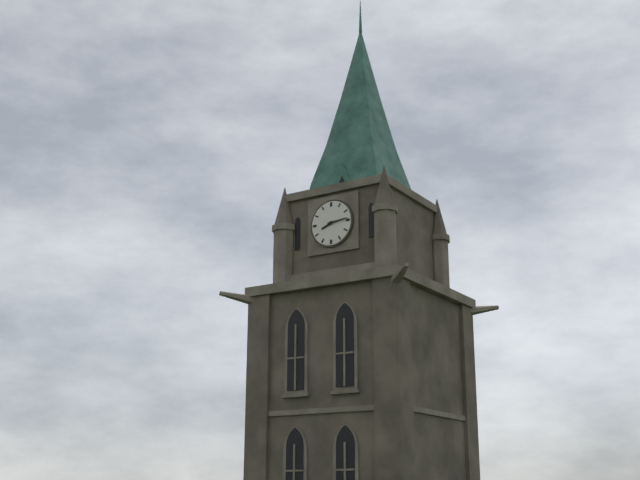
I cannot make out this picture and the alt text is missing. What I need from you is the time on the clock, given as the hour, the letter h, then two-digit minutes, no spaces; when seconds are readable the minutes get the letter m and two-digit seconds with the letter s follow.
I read 8h14
